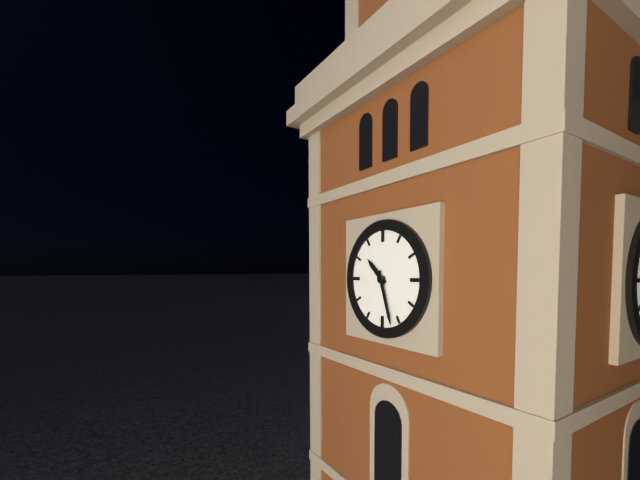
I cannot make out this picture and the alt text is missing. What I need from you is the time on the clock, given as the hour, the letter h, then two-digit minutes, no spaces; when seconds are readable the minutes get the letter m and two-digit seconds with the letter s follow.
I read 10h27
